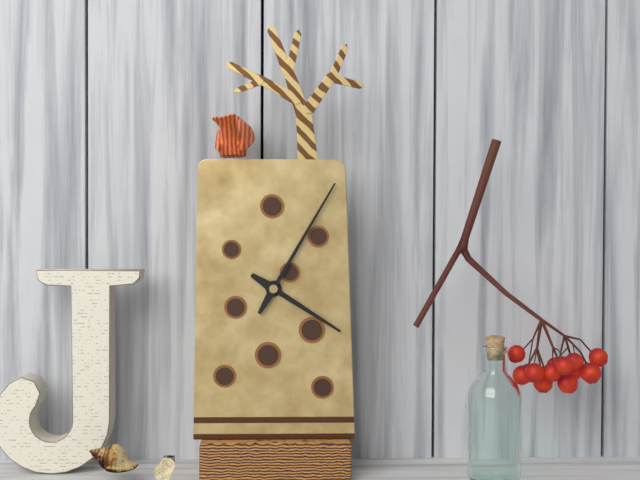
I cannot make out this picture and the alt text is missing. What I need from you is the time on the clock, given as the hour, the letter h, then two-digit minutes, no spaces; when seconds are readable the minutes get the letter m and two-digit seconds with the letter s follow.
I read 4h05
